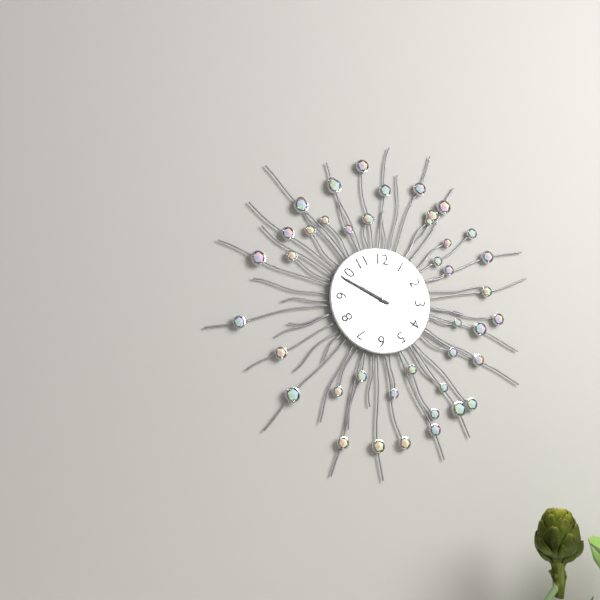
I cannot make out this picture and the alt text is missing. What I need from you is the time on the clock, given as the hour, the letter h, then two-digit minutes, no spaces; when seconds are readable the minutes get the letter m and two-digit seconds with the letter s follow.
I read 9h49
